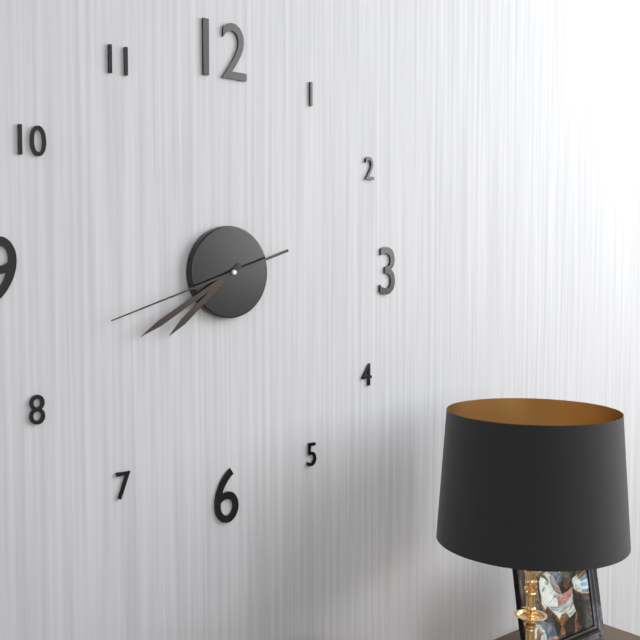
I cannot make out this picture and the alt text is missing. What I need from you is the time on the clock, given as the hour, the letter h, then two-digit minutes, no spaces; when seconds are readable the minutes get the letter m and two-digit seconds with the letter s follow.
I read 7h40m42s
